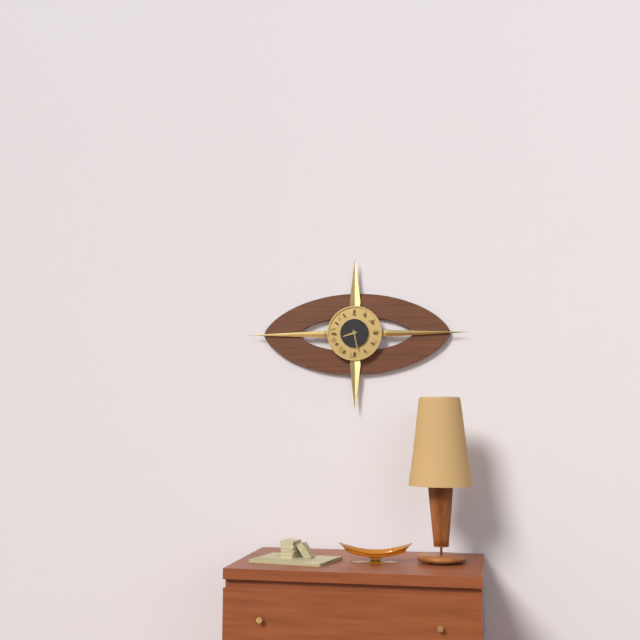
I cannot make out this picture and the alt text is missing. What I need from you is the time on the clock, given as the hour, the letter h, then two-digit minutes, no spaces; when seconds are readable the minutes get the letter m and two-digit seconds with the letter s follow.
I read 8h28
